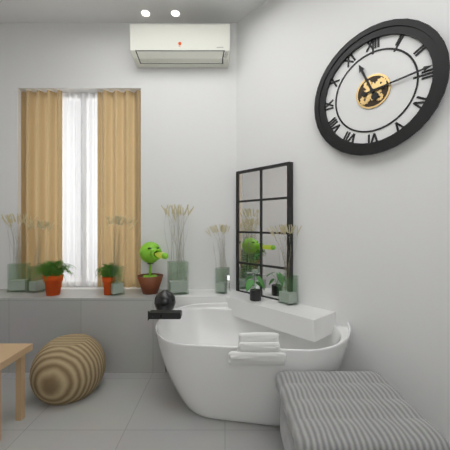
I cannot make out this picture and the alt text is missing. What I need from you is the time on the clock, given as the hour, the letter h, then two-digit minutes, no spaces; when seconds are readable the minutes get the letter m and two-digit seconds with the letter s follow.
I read 11h14
